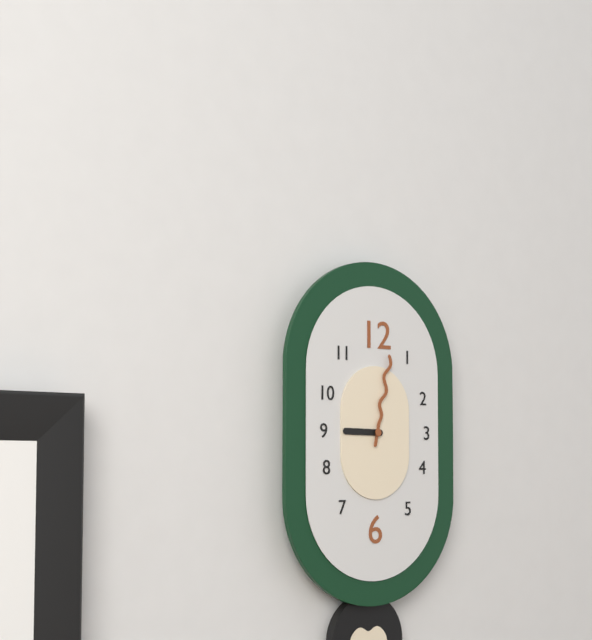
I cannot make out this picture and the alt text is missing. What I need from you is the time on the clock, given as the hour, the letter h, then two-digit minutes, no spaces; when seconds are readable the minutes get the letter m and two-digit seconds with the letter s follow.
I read 9h02
